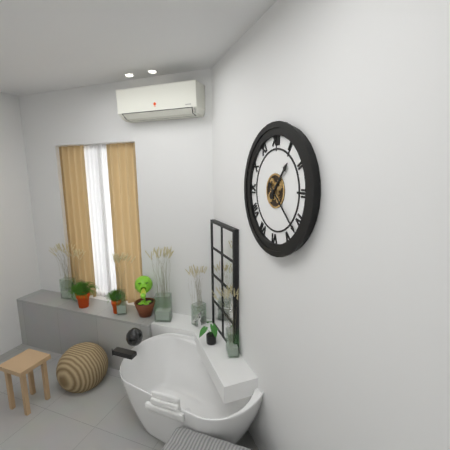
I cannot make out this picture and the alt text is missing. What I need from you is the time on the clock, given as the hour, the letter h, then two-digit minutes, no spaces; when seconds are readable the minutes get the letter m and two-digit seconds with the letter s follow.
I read 1h22
